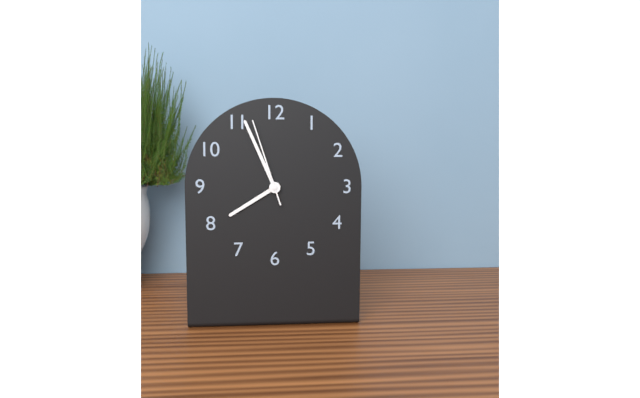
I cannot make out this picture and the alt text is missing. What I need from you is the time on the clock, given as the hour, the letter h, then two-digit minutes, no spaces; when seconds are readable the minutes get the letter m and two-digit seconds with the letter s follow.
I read 7h56m57s
